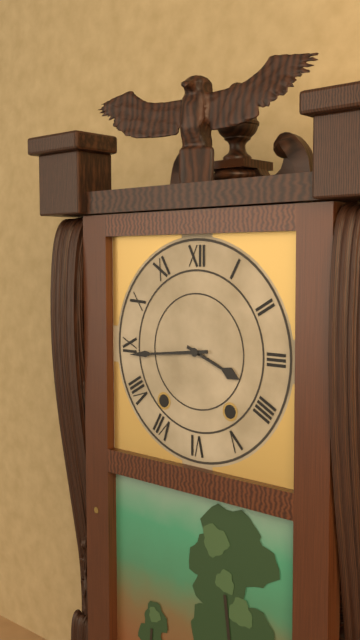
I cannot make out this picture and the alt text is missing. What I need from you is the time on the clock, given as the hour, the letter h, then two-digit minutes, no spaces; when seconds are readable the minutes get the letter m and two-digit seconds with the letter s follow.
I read 3h44
